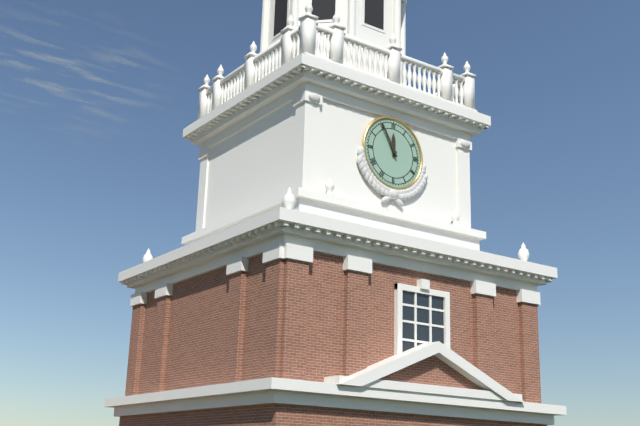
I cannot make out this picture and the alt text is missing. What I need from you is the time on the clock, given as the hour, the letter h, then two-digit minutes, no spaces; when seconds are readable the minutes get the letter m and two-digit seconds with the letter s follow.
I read 11h55
